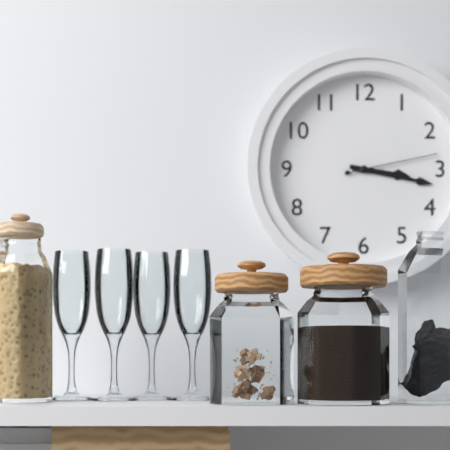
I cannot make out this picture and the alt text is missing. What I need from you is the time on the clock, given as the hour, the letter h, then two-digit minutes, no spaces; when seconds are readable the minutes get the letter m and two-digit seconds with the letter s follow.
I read 3h17m13s
